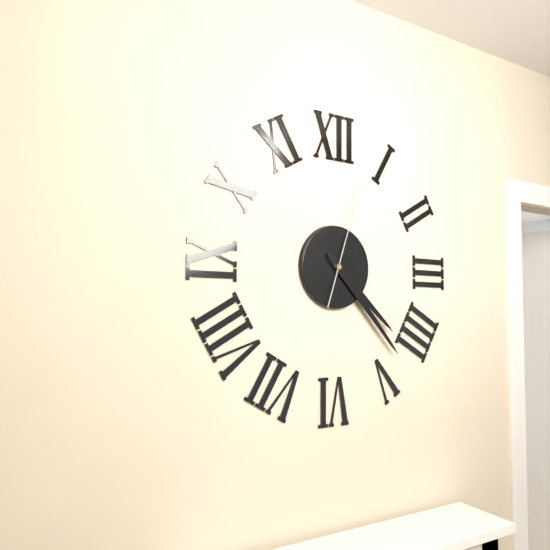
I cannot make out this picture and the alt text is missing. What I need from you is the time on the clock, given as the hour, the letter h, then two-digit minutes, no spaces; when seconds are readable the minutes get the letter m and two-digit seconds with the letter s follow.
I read 4h23m03s
